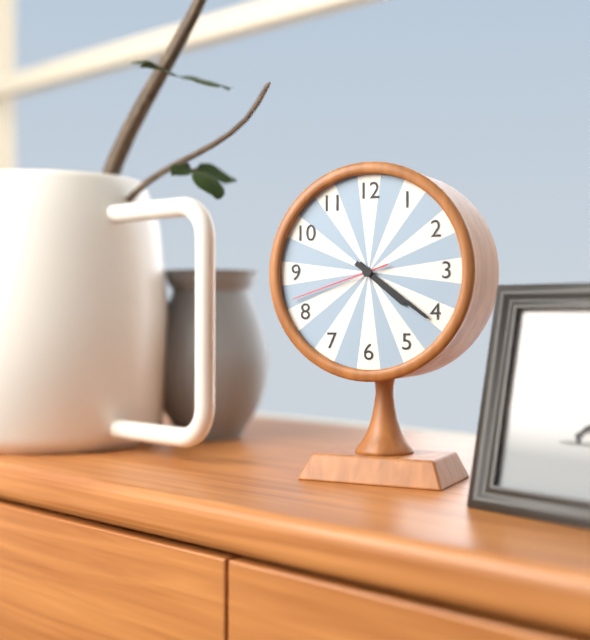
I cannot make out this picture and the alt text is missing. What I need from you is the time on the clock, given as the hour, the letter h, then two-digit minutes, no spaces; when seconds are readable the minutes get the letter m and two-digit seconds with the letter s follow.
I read 4h21m42s
